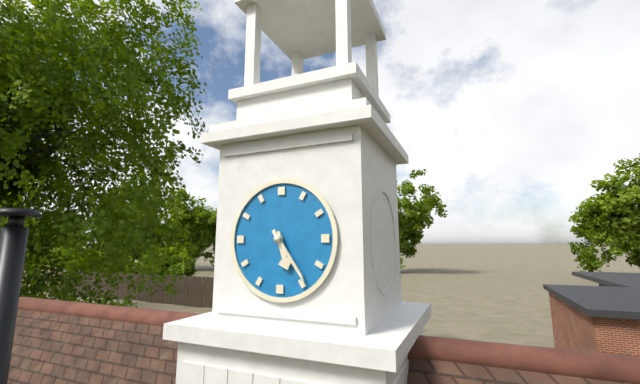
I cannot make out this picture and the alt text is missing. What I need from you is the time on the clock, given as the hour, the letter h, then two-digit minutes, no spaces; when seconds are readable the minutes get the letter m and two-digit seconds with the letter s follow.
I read 5h24
